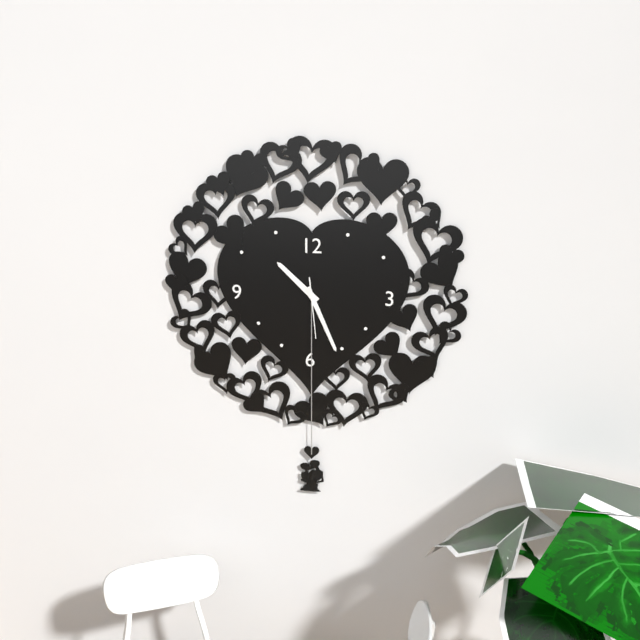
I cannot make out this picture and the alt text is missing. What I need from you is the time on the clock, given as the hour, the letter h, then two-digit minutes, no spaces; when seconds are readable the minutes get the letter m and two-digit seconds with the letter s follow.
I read 10h26m29s
